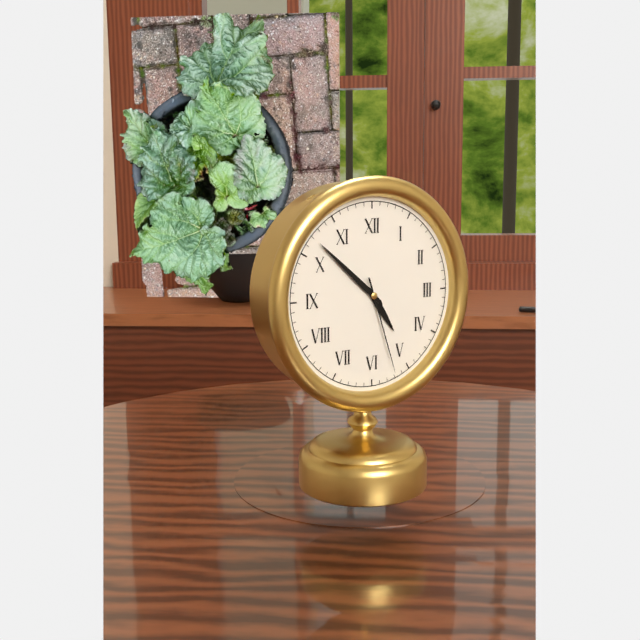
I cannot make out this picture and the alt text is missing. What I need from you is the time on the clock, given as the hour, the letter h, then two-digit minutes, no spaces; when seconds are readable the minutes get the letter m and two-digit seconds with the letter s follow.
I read 4h52m27s
